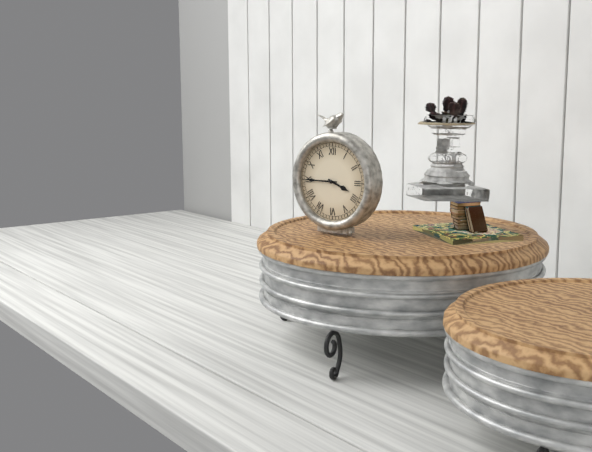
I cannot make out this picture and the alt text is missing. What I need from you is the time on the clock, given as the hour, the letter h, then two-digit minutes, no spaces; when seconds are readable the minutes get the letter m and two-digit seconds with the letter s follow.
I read 3h45
